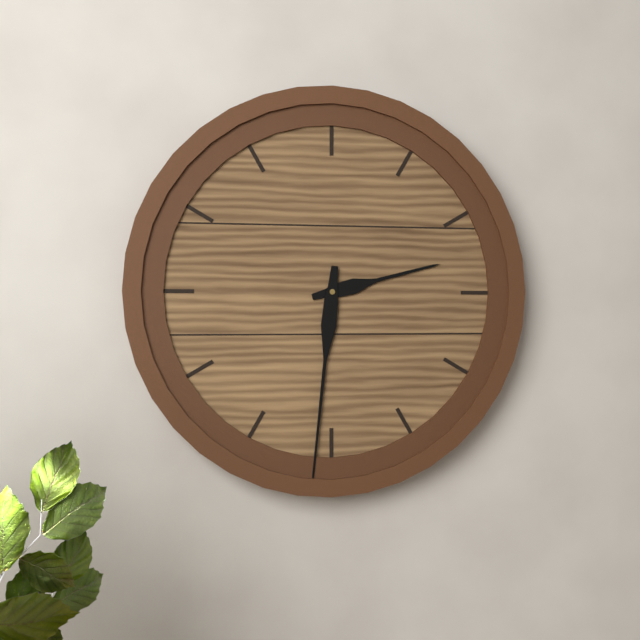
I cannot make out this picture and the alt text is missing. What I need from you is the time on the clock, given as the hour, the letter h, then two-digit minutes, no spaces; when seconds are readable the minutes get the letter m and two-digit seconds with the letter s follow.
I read 2h31
